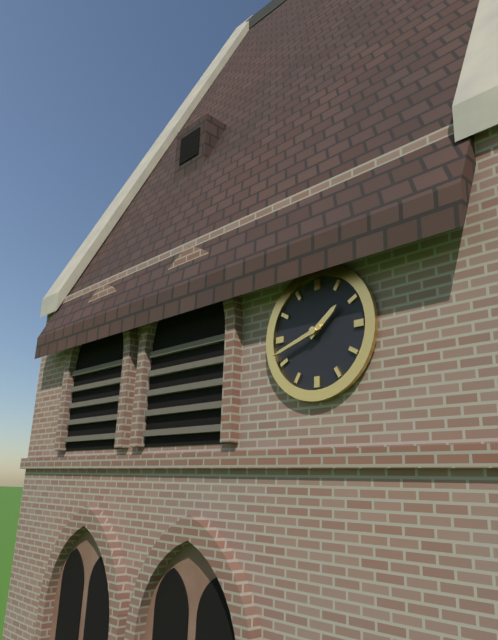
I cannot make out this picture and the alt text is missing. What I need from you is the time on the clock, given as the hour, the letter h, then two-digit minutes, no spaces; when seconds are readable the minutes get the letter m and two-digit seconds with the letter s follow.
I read 1h42
